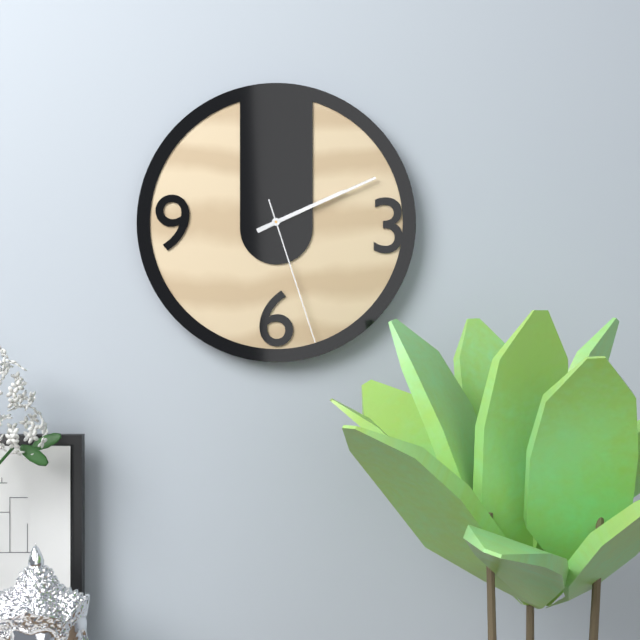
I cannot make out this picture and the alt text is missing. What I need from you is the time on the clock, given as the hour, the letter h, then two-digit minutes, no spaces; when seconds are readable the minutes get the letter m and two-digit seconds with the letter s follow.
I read 2h11m27s
